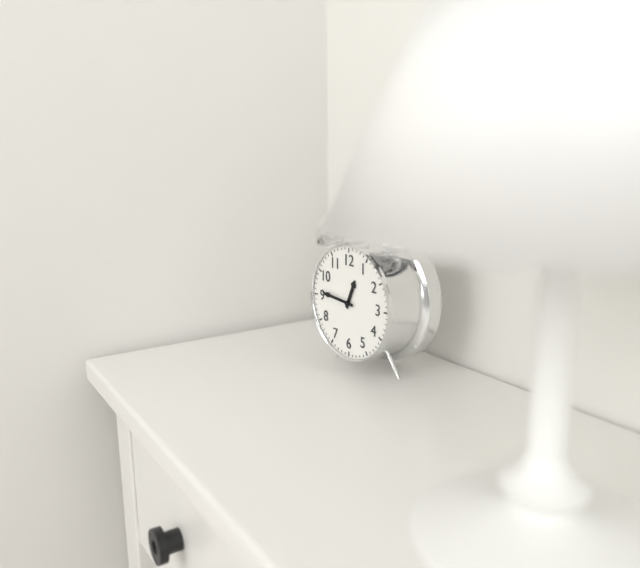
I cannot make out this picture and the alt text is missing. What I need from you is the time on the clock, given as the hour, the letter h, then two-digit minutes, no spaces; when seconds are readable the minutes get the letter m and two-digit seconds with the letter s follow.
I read 12h46
